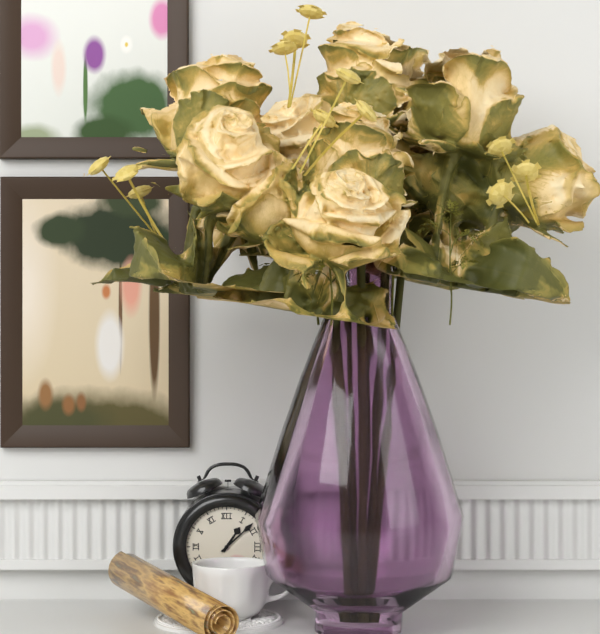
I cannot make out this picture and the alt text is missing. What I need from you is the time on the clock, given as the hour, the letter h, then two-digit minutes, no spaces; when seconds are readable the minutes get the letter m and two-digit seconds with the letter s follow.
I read 1h08
